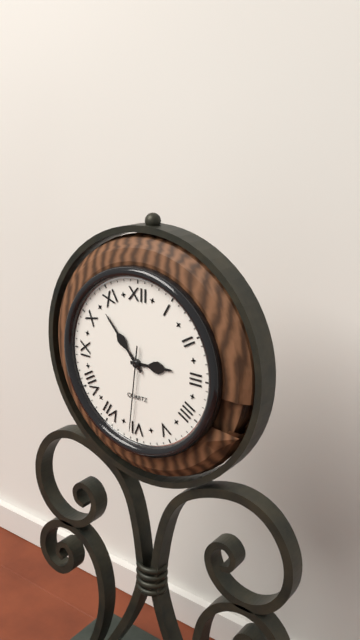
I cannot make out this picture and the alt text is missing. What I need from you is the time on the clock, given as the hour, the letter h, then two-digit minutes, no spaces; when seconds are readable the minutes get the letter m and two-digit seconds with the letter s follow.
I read 2h53m31s
